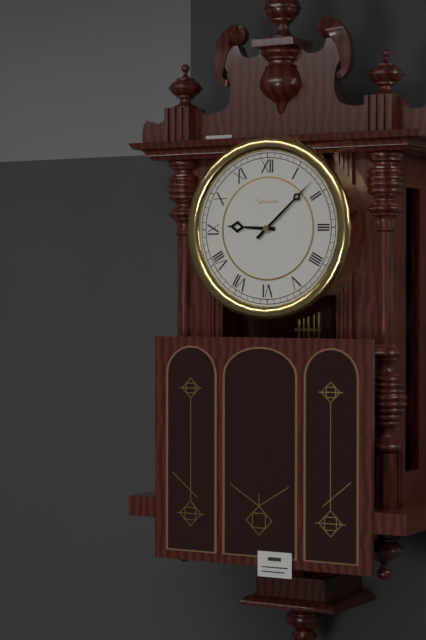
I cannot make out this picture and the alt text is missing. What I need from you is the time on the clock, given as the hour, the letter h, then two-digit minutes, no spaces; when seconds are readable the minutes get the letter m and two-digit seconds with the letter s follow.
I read 9h08
